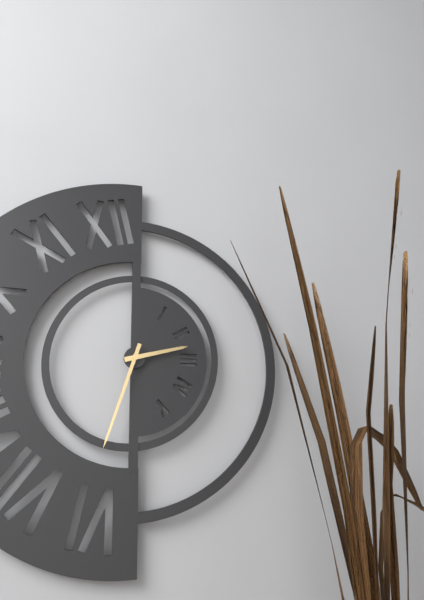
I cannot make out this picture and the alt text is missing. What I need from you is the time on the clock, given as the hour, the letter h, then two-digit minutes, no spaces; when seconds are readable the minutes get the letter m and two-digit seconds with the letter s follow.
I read 2h33
